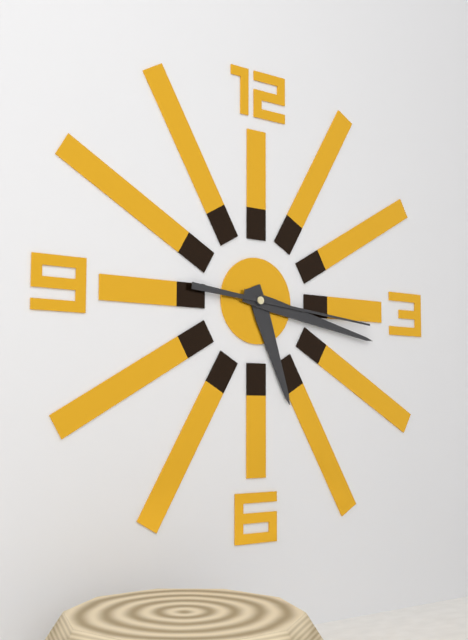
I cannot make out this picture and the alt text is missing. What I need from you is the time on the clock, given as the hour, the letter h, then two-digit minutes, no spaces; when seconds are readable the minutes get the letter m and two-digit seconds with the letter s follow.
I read 5h17m16s
